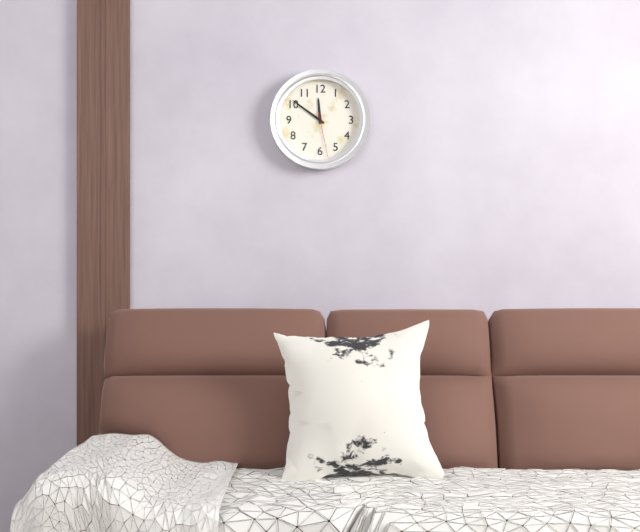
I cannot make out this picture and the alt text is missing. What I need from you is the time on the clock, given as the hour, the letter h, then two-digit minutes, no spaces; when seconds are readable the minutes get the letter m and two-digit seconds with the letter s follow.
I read 11h51
